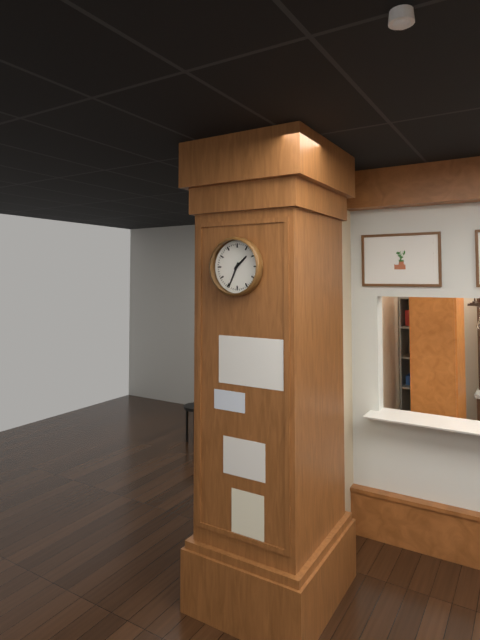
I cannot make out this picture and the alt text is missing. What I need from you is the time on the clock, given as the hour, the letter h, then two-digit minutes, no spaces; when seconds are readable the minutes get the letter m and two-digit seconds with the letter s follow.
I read 1h34
